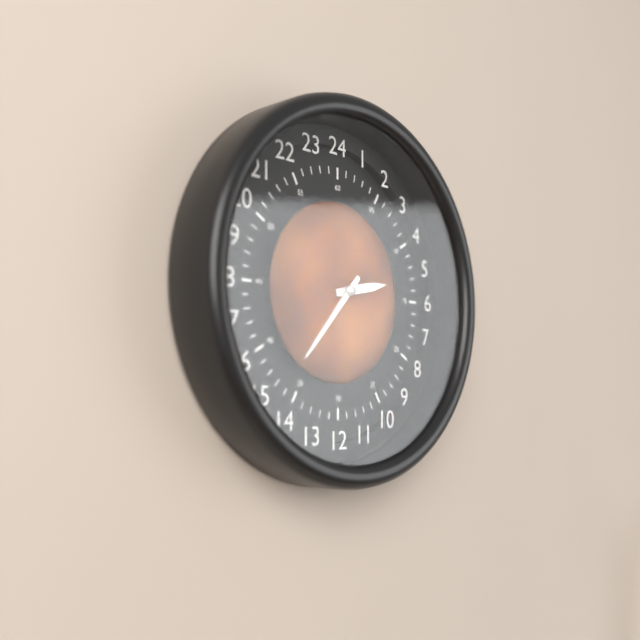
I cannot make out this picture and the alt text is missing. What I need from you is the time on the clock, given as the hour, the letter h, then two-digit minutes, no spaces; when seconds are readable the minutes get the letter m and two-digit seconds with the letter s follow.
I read 2h37
